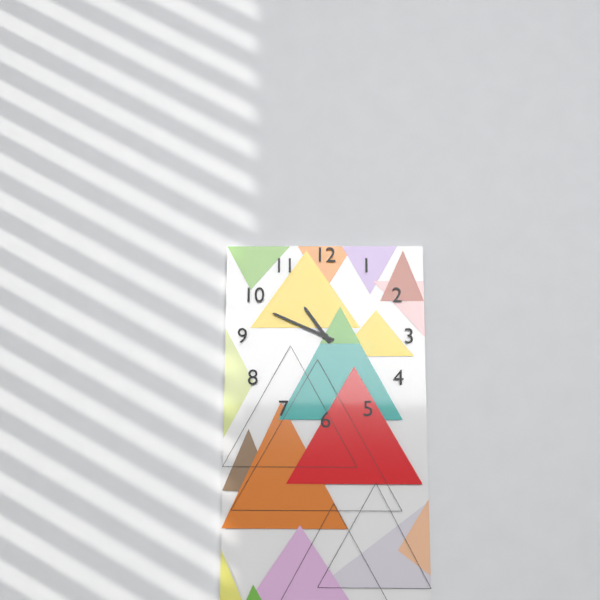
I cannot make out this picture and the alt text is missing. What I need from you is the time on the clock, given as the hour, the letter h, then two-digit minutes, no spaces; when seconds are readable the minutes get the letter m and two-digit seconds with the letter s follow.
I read 10h49
